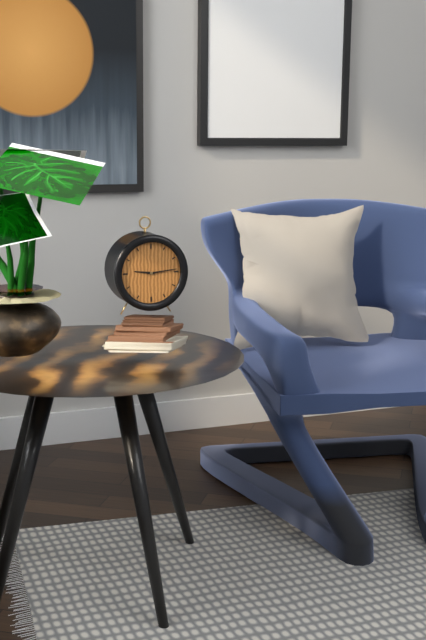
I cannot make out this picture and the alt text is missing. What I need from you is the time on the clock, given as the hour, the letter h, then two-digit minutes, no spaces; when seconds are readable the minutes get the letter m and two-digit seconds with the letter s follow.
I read 9h14
